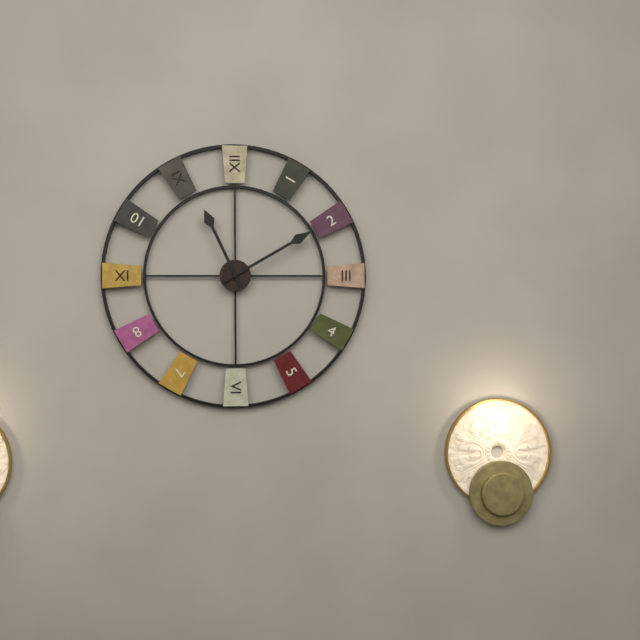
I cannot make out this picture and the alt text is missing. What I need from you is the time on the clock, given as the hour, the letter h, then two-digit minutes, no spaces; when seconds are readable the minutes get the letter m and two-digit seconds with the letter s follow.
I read 11h10
